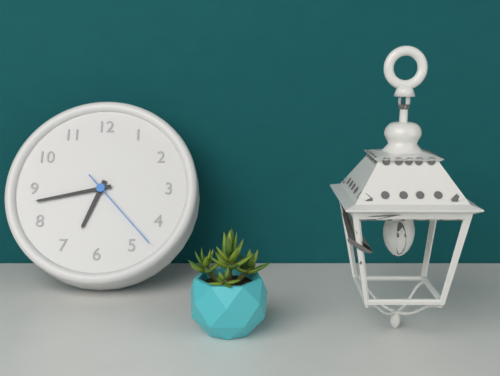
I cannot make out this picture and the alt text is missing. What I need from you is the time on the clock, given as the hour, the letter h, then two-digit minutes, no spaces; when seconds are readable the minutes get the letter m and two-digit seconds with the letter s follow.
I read 6h43m23s
